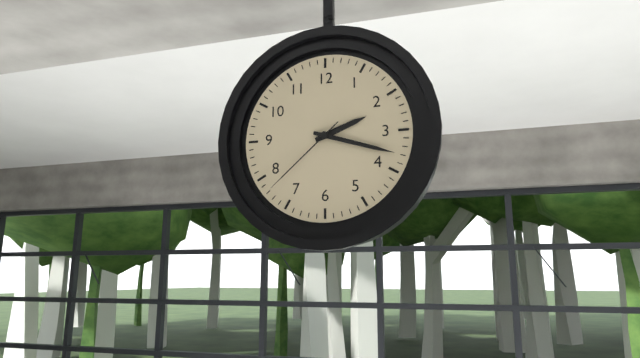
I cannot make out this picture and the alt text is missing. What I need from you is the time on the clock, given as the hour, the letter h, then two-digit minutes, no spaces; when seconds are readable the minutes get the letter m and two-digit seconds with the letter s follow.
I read 2h18m38s
